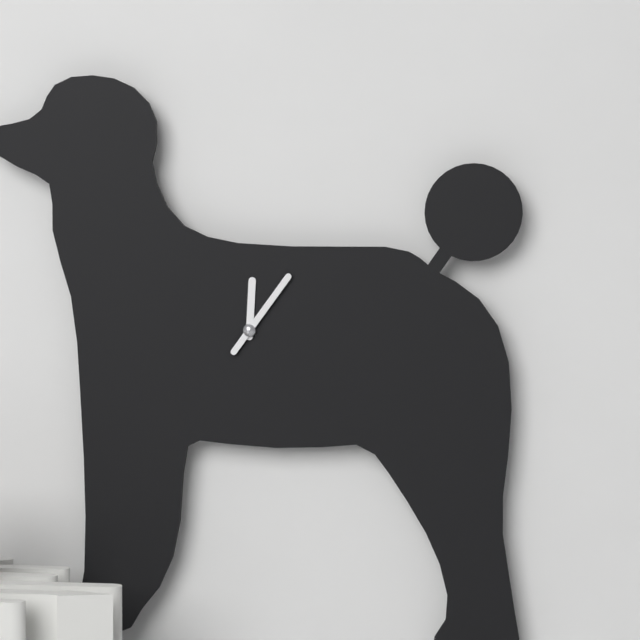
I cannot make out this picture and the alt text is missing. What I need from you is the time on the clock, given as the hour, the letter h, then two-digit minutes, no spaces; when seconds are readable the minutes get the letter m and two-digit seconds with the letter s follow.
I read 12h06
